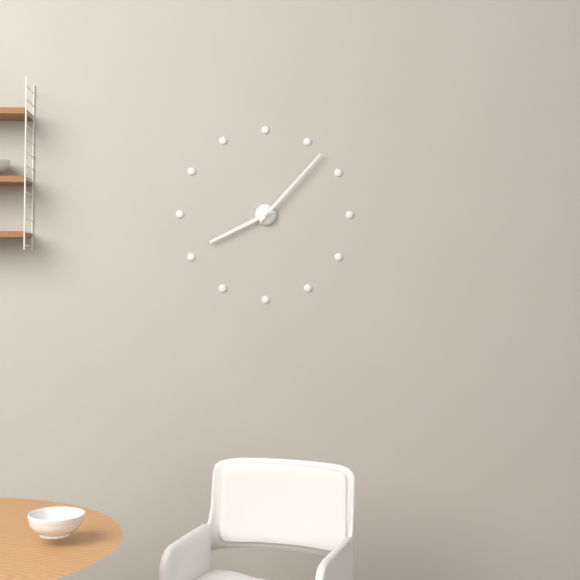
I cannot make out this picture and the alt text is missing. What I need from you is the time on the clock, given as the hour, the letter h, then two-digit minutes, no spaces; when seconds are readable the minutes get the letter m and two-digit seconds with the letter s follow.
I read 8h07
